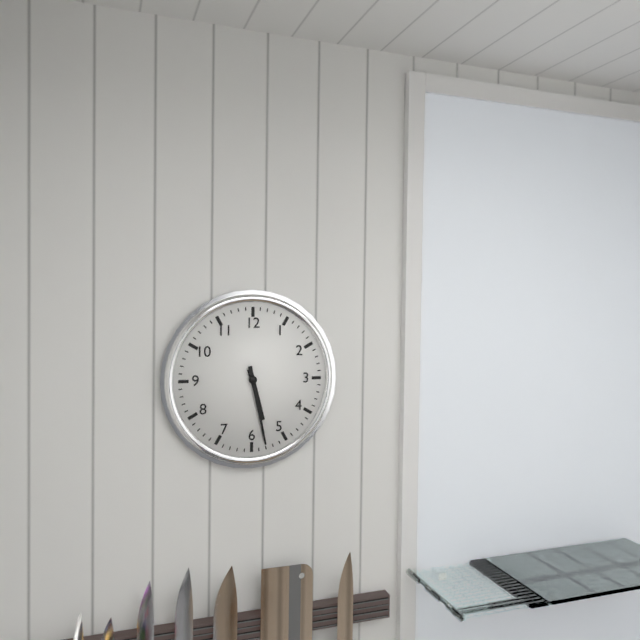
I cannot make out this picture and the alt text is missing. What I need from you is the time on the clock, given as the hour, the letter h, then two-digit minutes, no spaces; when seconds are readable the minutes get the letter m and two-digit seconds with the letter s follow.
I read 5h28
